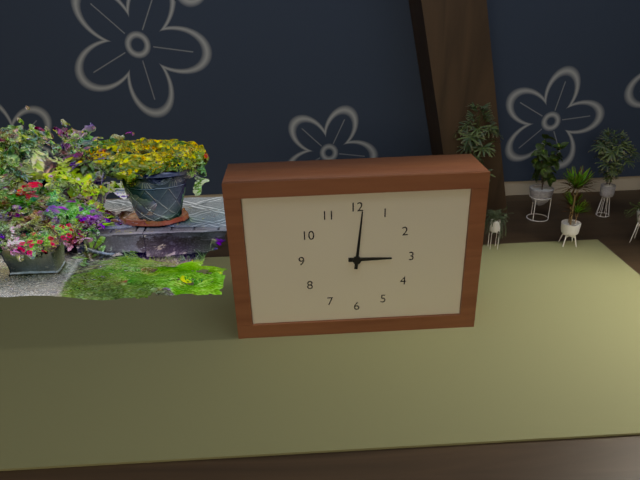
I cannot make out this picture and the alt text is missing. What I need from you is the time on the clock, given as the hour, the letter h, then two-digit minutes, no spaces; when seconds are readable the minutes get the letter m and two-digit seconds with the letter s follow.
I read 3h01
